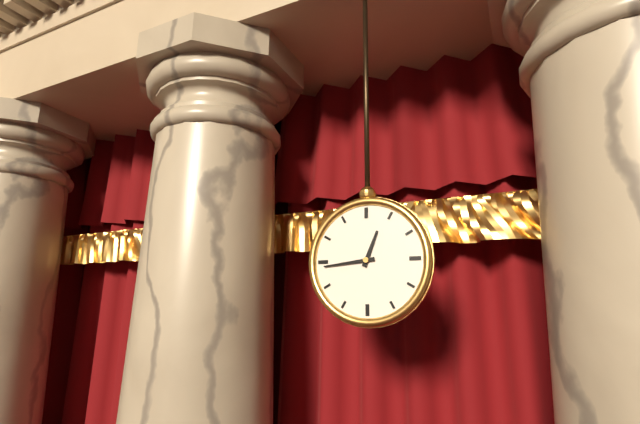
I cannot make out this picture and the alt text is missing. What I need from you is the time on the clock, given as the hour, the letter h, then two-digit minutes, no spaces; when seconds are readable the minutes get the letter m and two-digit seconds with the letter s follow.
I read 12h44
